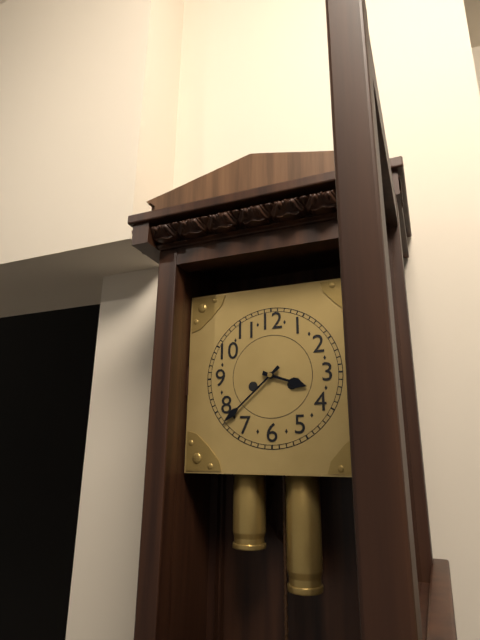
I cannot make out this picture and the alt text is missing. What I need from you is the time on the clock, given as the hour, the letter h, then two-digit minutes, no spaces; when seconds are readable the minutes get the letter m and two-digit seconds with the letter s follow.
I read 3h38
